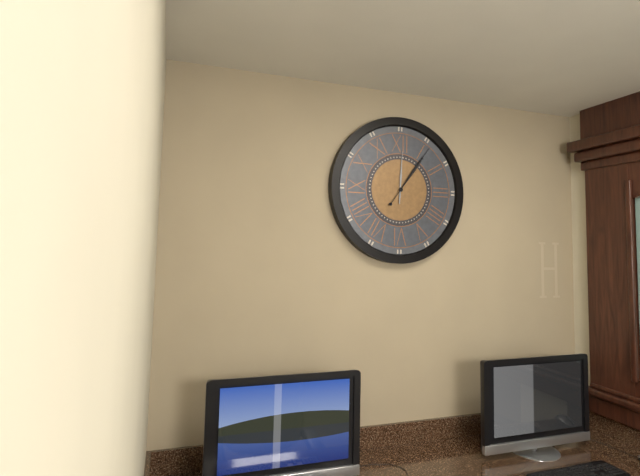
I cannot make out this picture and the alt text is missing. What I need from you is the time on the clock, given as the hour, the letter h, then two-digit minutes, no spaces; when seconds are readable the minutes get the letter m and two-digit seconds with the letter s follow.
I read 12h06
